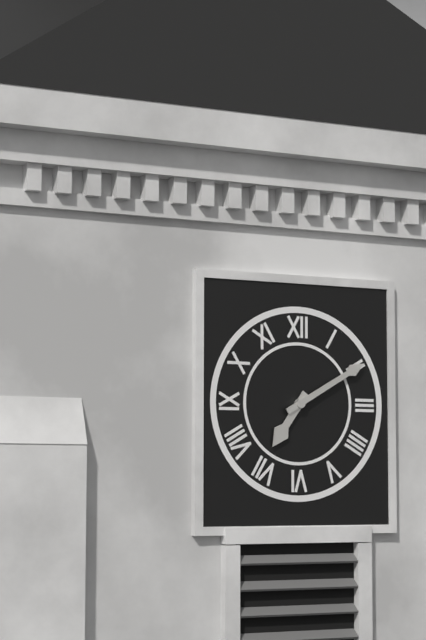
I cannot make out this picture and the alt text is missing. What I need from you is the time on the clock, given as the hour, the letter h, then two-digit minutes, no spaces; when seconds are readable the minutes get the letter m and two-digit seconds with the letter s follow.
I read 7h10
